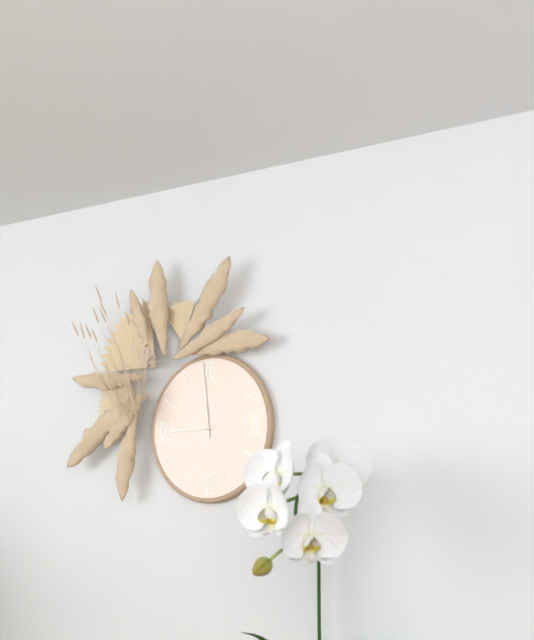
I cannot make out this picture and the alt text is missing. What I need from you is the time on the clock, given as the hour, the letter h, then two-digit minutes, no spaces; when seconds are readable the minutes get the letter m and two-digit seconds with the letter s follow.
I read 8h59
